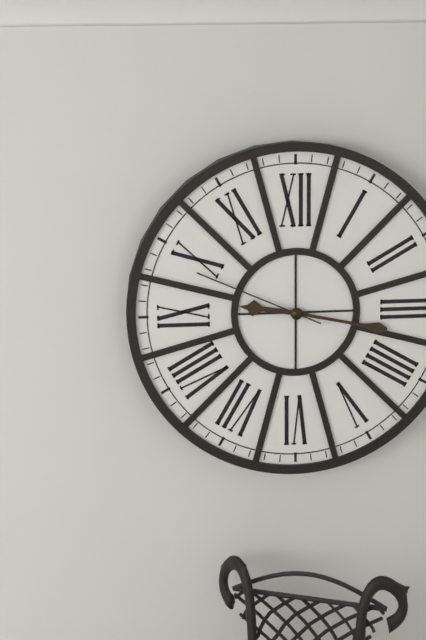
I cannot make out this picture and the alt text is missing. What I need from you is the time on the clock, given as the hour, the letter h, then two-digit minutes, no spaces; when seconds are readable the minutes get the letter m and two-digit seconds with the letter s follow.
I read 9h17m49s
